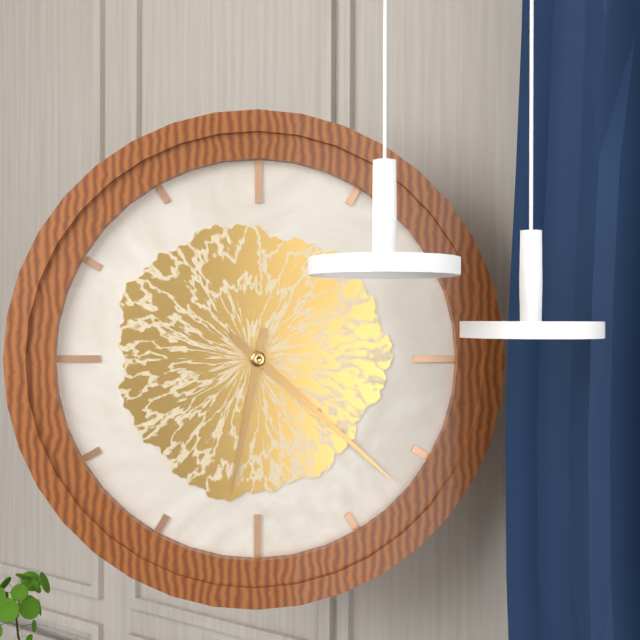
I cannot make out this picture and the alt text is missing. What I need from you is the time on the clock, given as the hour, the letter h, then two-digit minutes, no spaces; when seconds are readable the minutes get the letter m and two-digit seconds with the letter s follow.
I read 6h22
